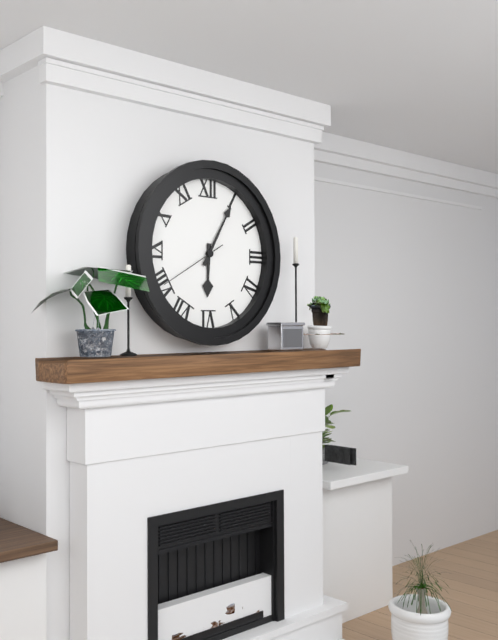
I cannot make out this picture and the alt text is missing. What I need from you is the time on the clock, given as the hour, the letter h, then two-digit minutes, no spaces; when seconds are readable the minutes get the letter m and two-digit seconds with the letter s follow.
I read 6h05m40s
